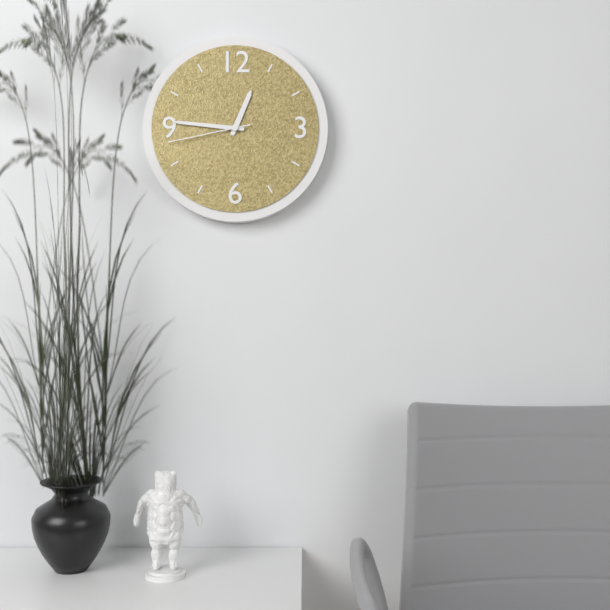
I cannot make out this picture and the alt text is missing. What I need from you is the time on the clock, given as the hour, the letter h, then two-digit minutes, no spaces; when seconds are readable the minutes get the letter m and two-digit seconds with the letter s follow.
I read 12h46m43s
